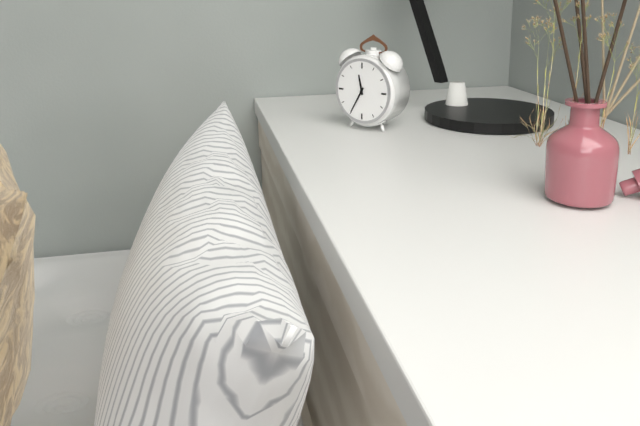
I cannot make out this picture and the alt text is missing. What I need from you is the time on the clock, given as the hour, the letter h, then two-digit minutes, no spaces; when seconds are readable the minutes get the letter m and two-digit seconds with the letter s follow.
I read 11h35
